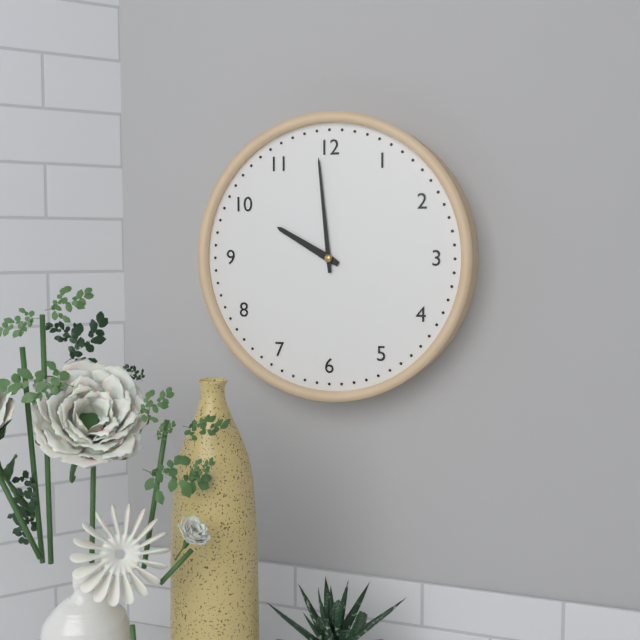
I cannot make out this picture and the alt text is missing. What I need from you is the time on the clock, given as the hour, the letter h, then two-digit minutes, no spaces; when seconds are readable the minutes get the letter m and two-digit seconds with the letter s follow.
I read 9h59
